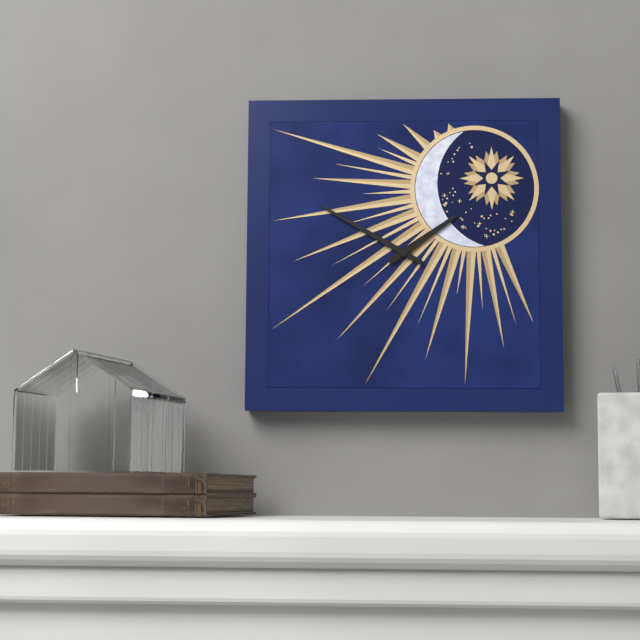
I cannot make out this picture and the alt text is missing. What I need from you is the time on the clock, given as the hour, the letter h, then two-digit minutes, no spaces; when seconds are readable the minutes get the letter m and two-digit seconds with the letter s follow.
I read 1h50
